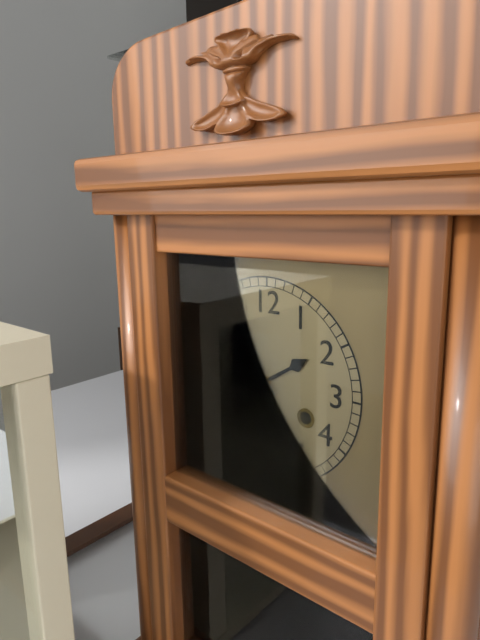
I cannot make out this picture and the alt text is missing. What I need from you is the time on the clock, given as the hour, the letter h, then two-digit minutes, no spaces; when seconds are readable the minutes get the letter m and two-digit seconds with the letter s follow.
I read 1h54
